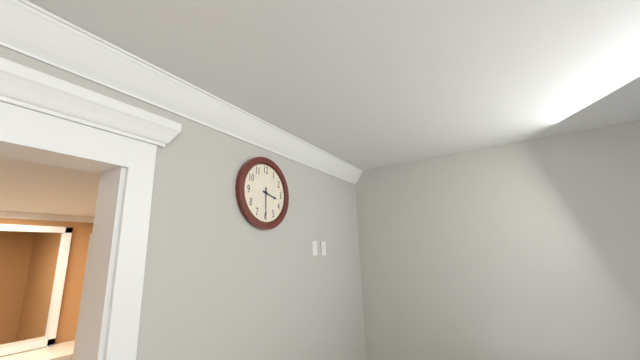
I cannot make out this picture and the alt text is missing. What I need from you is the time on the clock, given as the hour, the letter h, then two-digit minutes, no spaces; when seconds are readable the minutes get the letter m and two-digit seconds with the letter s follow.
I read 3h30
